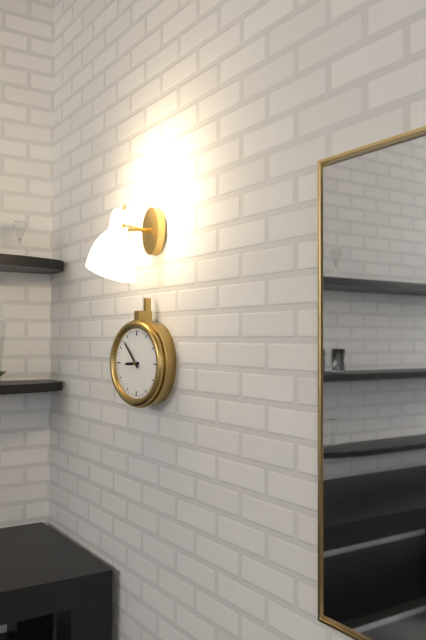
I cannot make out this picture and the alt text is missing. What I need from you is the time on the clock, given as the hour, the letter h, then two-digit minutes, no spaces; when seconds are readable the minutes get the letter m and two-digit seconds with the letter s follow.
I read 8h53
